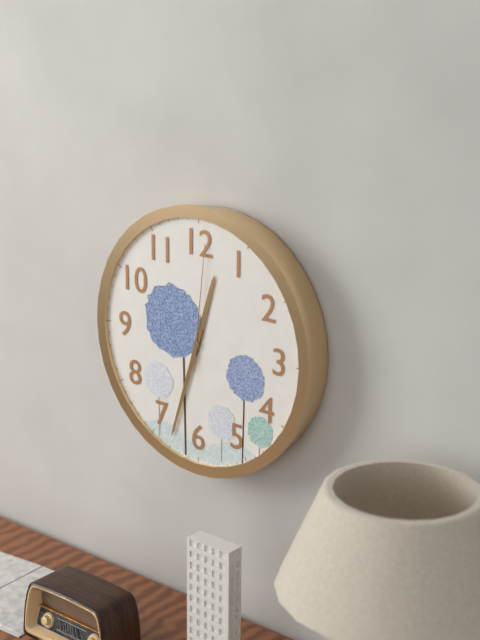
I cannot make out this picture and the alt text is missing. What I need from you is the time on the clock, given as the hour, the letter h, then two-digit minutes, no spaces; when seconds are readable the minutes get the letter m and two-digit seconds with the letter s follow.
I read 12h33m01s
